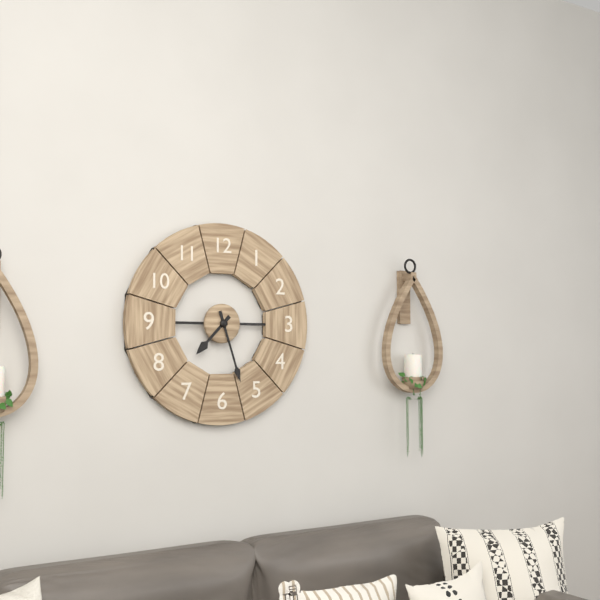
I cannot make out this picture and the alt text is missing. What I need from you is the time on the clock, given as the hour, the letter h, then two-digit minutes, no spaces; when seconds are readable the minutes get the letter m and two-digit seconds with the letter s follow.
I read 7h27
